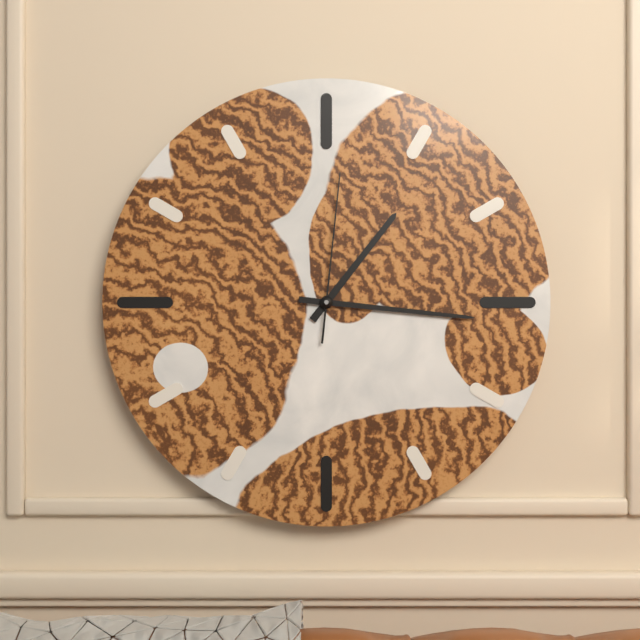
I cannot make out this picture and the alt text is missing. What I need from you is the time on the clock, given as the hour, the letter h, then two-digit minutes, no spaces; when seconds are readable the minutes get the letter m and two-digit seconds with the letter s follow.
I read 1h16m01s
